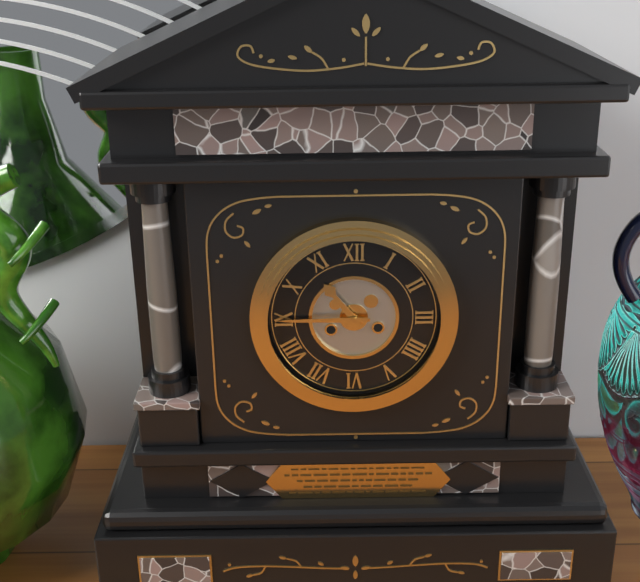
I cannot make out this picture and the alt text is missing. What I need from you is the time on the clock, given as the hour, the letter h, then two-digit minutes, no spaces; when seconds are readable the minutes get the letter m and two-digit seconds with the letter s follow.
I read 10h45
